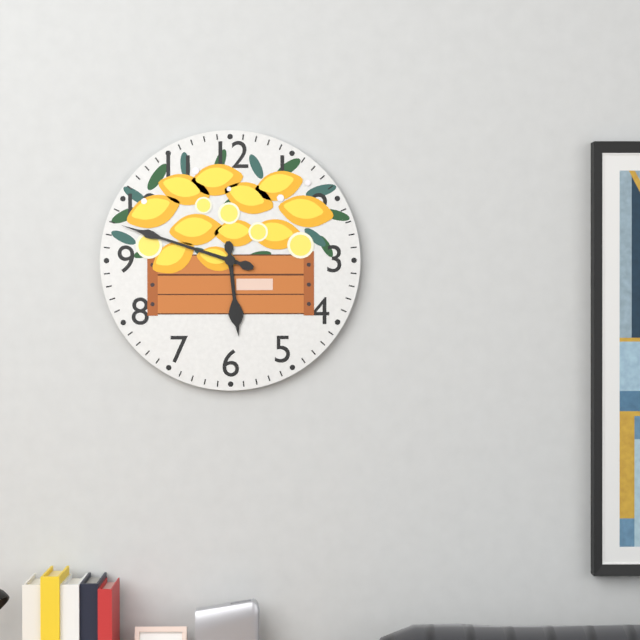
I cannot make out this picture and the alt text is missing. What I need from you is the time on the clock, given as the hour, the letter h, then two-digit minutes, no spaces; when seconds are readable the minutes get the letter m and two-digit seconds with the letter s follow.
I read 5h48
